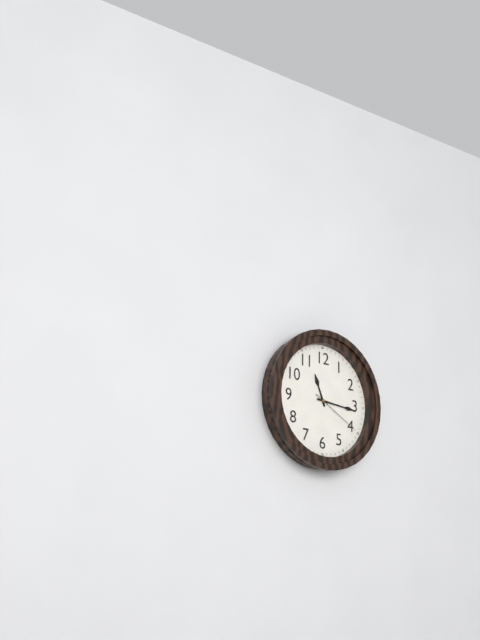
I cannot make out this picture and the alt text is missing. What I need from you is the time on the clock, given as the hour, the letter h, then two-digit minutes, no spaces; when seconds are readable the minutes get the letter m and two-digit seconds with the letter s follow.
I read 11h16m20s
